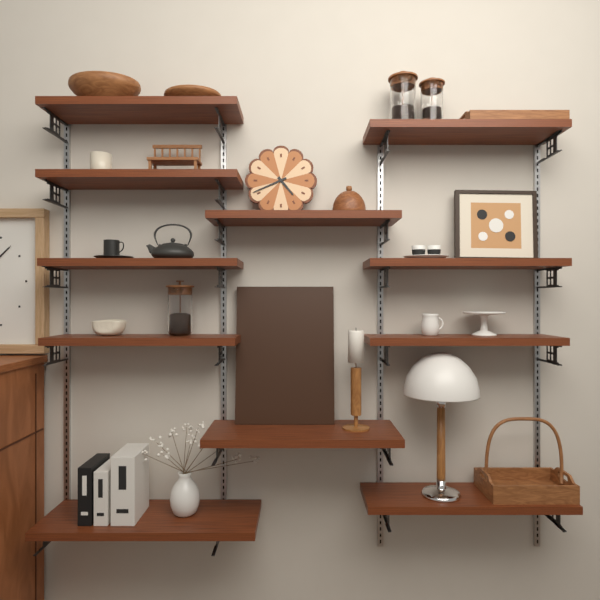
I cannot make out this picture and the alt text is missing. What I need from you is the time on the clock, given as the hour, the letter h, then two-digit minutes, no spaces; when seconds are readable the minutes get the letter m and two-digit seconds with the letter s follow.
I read 4h41
